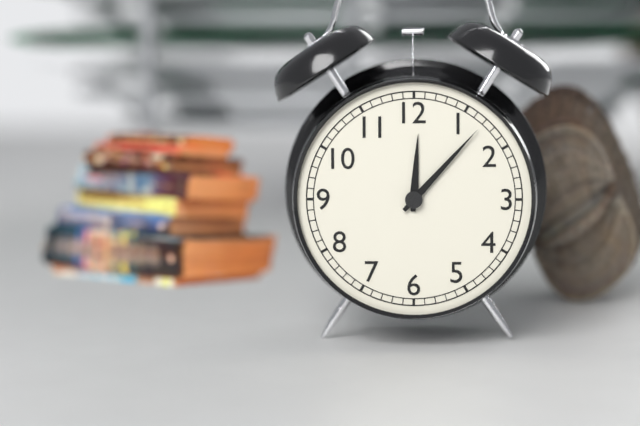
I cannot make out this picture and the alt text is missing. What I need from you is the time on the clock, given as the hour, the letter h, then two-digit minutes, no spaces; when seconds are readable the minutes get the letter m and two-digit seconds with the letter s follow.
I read 12h07
